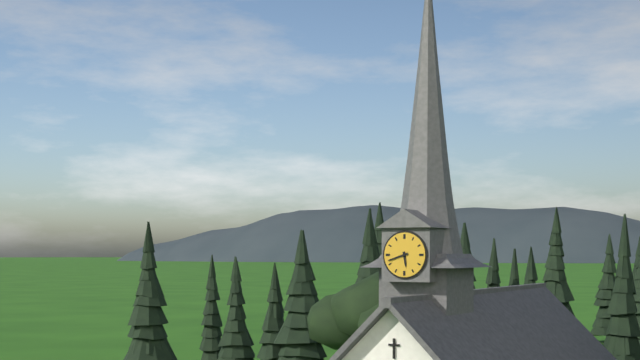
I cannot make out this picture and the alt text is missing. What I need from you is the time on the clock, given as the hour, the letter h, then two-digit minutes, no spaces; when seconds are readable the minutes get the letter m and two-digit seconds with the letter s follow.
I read 5h42
